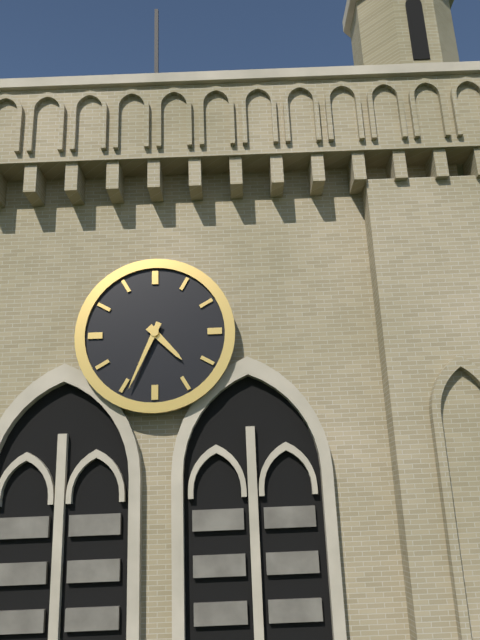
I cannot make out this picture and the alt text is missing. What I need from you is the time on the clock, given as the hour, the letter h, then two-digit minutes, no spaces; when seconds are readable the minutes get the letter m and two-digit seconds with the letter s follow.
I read 4h34
